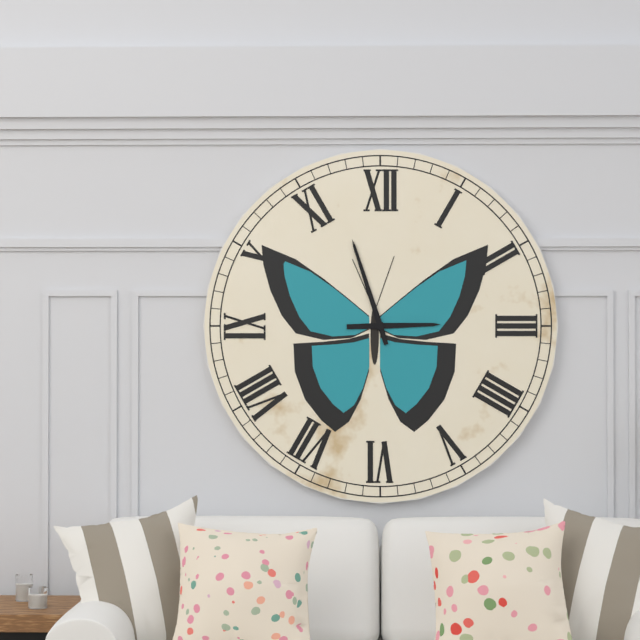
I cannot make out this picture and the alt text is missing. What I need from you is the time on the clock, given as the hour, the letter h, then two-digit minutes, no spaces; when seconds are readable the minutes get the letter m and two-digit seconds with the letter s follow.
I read 2h57
